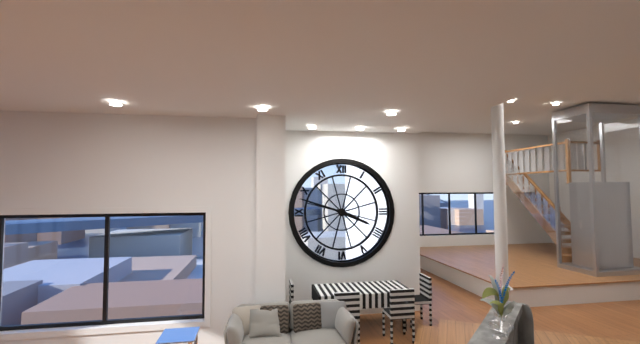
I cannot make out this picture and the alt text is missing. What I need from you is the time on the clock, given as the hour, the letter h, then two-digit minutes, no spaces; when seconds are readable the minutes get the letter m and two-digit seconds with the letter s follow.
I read 3h48
